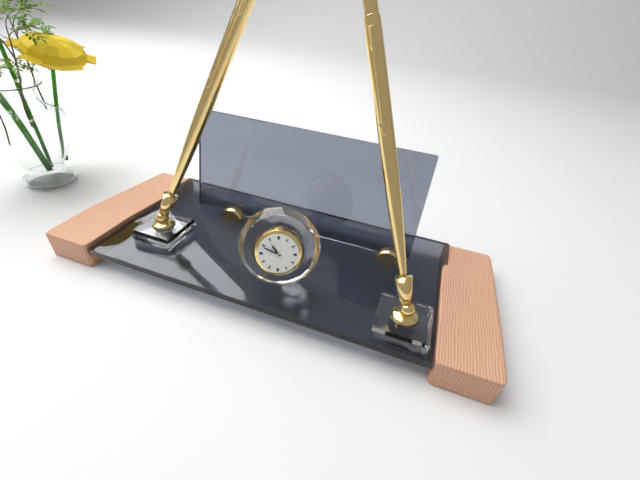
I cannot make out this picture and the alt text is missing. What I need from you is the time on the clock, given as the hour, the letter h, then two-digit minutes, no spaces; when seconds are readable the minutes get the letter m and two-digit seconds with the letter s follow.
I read 10h49
